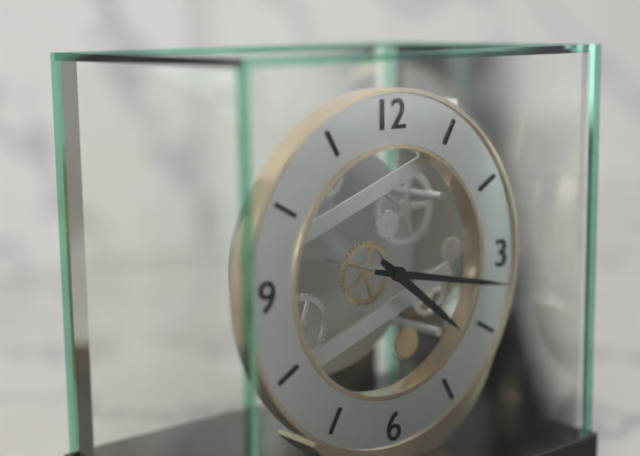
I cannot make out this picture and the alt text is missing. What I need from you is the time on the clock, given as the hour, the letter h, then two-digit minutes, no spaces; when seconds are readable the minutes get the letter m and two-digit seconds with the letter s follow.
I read 4h17
